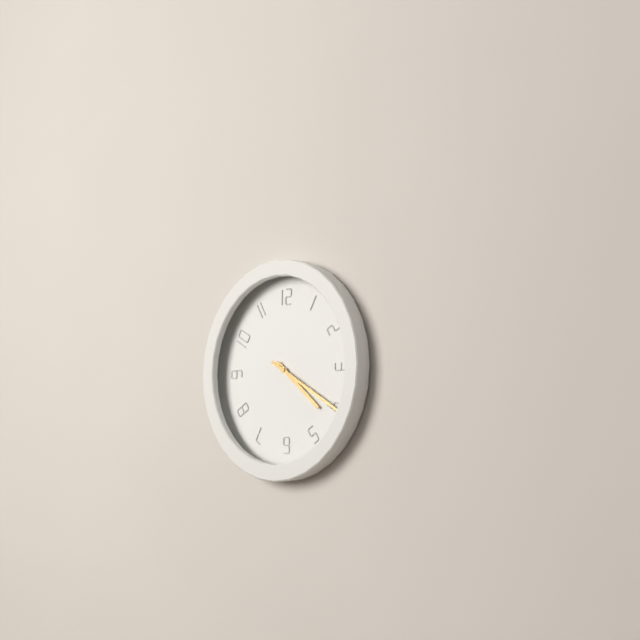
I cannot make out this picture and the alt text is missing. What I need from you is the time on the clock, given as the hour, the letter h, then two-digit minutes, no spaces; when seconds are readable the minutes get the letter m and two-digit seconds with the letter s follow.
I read 4h20
